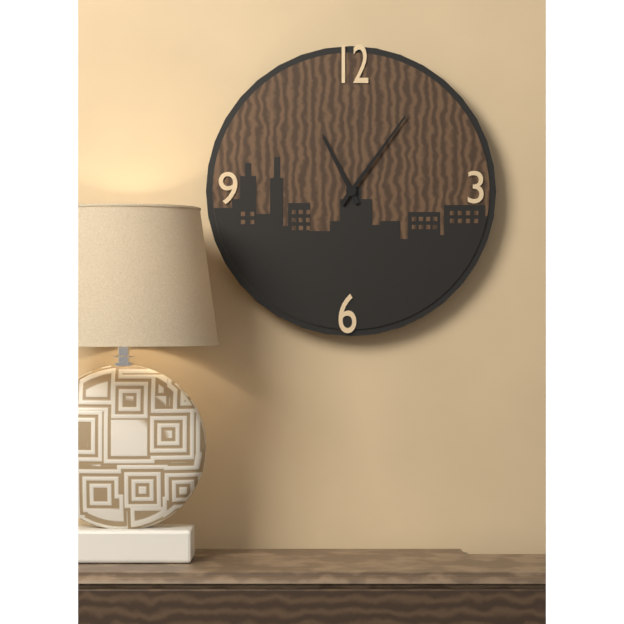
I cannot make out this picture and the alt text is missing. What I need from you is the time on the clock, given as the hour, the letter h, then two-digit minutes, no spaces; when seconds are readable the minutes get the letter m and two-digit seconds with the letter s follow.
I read 11h06
